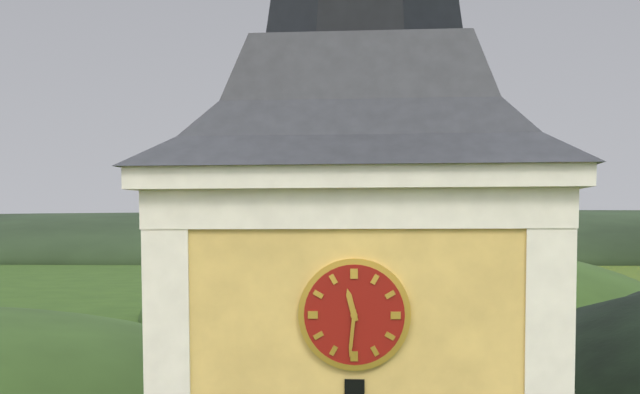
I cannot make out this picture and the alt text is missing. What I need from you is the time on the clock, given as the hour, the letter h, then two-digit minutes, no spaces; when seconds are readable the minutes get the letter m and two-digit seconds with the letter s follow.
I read 11h31
